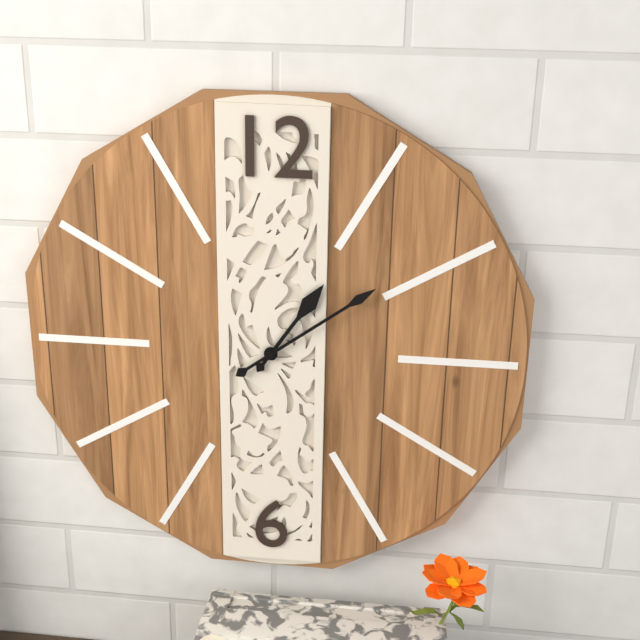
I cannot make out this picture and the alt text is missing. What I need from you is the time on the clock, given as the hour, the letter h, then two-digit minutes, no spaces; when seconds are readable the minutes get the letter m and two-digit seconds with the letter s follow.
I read 1h09
